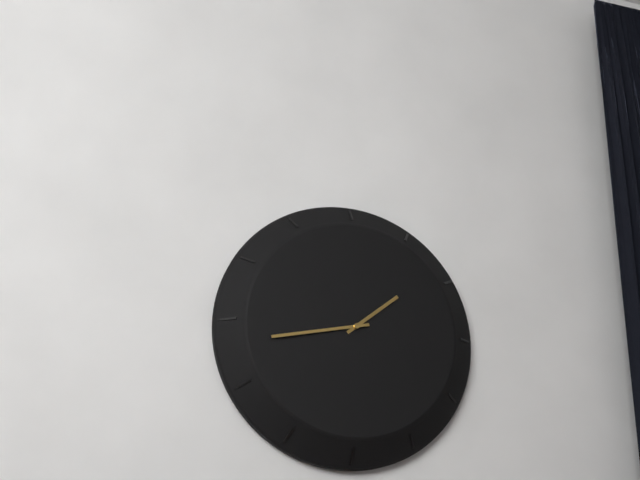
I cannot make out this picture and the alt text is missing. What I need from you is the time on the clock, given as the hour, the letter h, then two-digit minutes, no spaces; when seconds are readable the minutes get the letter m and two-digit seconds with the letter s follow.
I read 1h43
